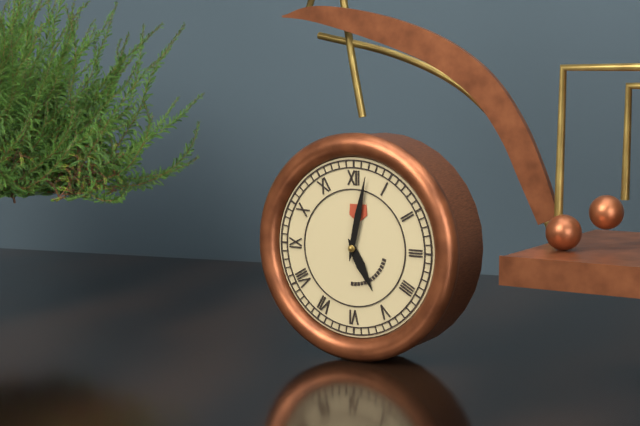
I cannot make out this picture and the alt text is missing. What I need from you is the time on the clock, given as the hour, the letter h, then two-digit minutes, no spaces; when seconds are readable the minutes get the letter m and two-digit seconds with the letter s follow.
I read 5h02
